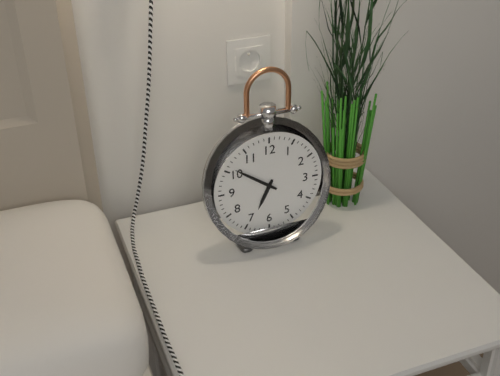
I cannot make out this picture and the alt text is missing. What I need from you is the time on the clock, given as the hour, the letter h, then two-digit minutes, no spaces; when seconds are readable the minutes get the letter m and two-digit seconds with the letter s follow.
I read 6h51
